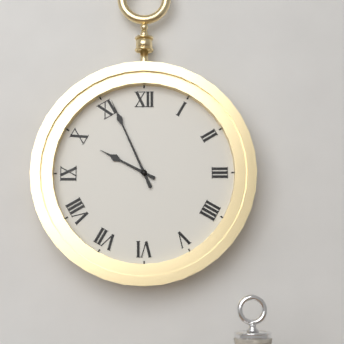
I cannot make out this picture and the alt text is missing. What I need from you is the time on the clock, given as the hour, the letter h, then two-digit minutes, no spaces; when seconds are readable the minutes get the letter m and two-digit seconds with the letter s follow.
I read 9h56
